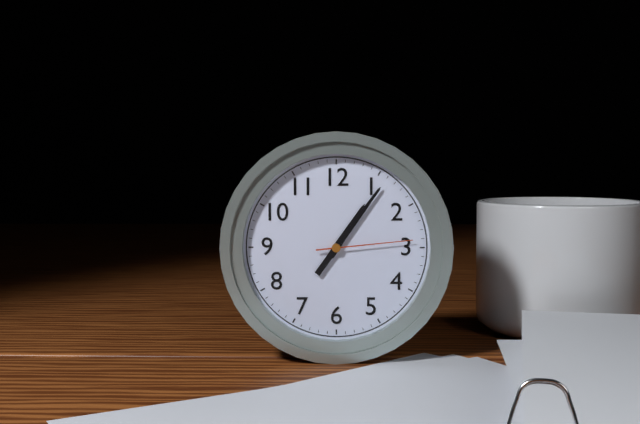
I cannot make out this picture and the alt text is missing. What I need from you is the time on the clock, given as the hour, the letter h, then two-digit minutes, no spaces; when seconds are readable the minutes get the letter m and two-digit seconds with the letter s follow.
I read 1h06m14s
